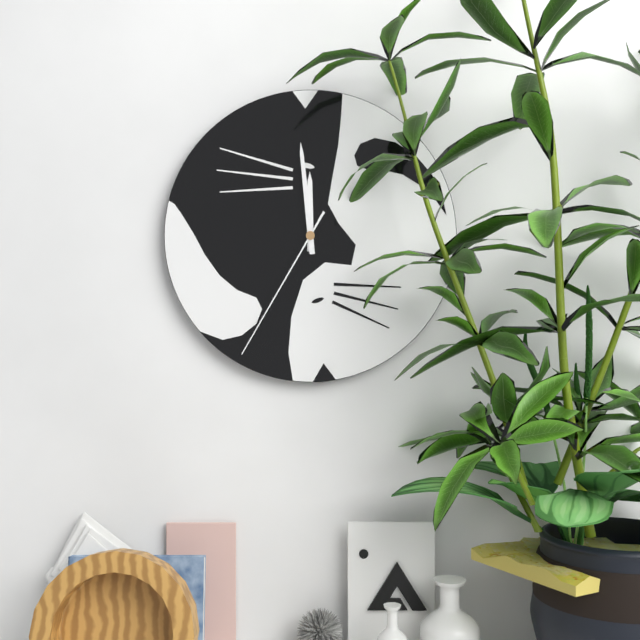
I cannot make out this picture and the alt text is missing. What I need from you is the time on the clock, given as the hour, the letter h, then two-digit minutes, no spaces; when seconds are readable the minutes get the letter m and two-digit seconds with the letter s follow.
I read 11h59m35s
